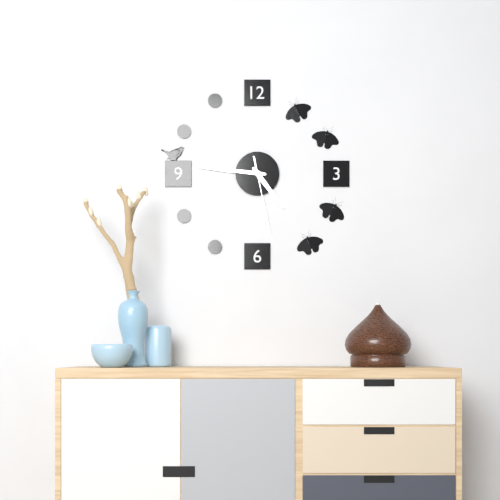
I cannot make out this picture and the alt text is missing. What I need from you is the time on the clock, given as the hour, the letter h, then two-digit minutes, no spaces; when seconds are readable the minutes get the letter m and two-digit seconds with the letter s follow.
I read 4h46m28s
